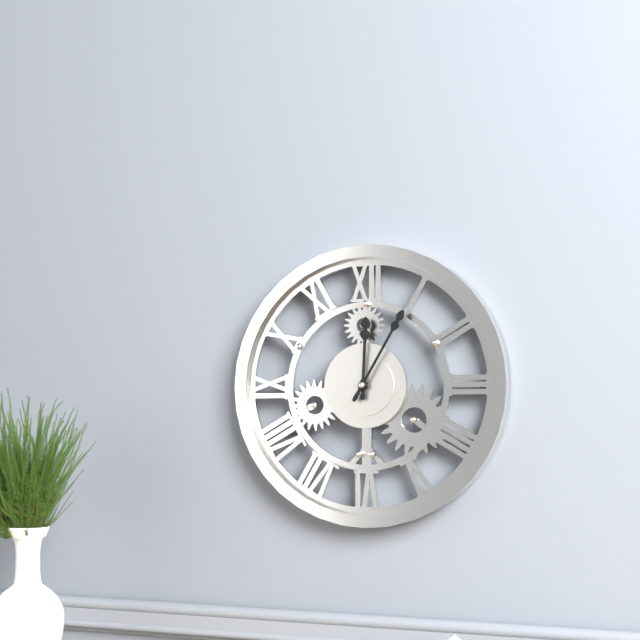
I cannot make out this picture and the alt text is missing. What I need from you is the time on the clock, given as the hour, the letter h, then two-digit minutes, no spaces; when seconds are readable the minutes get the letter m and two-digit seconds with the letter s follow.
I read 12h05
